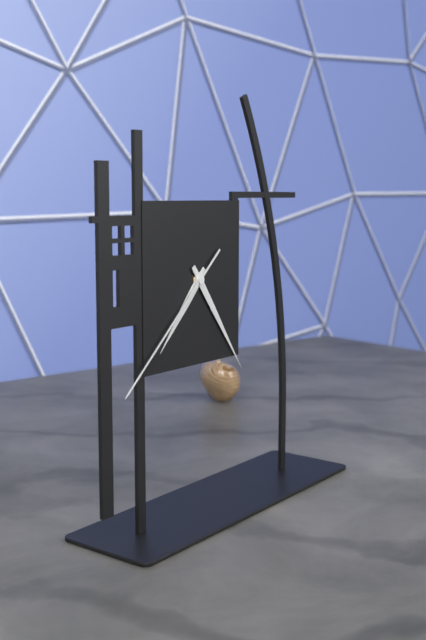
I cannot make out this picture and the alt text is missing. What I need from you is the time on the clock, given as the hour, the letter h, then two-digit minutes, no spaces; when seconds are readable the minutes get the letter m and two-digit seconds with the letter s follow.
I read 7h24m38s
